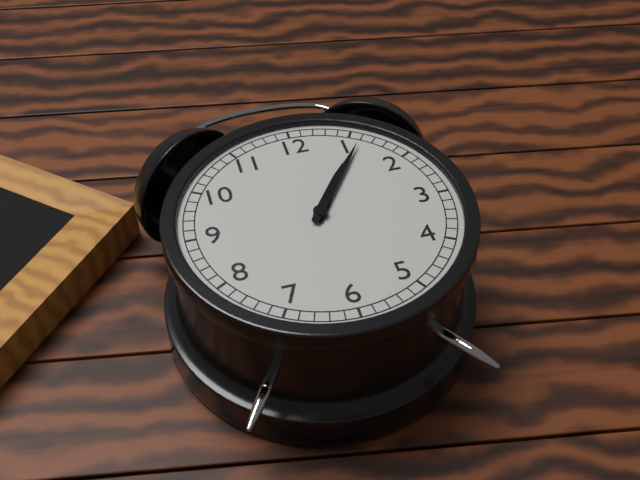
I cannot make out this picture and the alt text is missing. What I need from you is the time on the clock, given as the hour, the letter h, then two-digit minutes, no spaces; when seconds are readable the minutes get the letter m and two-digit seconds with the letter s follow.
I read 1h06
